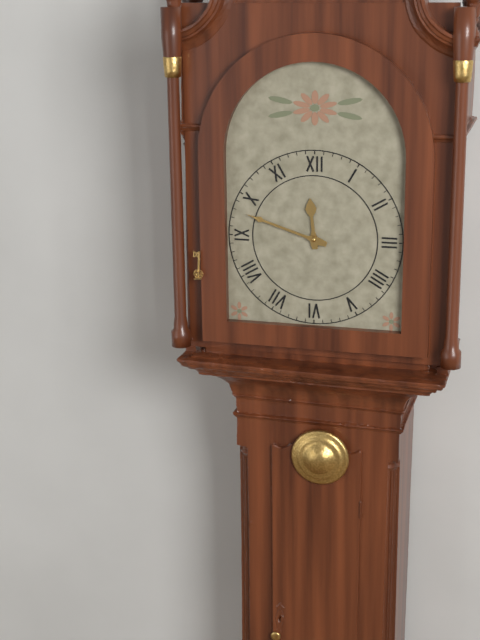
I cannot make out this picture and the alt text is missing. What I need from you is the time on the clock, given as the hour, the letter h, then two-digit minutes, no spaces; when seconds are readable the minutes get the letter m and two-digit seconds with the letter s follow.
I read 11h48
